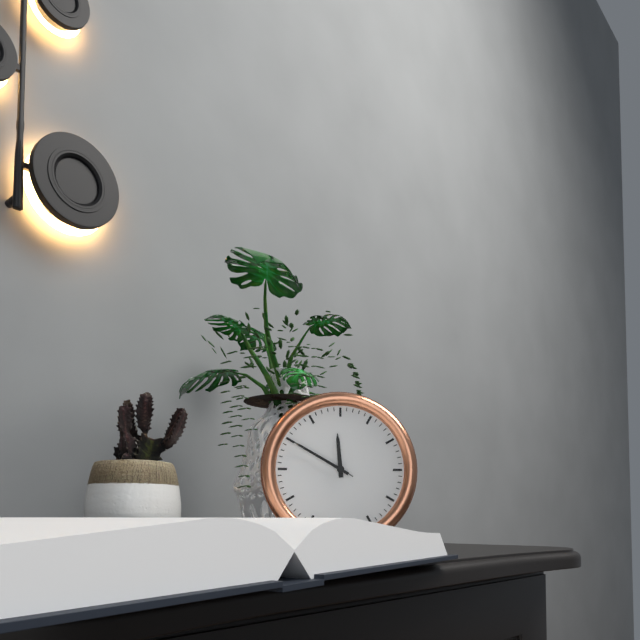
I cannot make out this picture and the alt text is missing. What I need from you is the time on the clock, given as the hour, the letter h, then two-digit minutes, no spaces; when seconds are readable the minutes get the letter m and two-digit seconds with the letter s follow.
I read 11h50m50s
